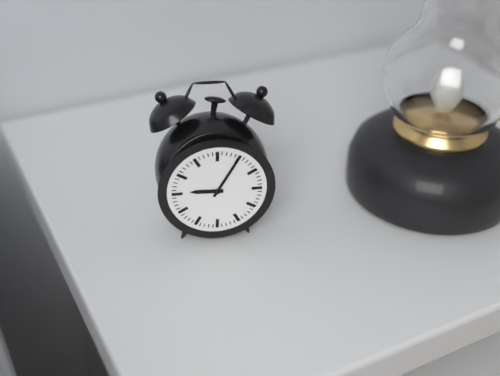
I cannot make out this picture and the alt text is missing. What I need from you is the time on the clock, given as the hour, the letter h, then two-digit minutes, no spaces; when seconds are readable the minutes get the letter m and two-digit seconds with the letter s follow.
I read 9h05
